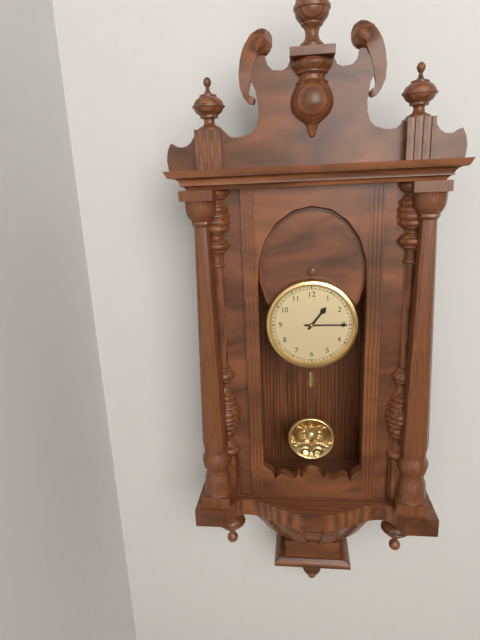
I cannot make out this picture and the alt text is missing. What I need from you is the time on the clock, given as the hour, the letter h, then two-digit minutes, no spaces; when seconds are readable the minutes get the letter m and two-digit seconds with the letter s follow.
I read 1h15
